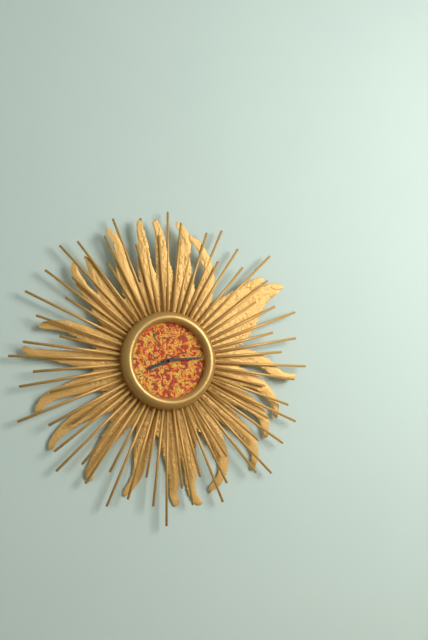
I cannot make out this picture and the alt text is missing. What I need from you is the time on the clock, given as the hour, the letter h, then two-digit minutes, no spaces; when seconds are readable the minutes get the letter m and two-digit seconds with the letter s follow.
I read 8h14
